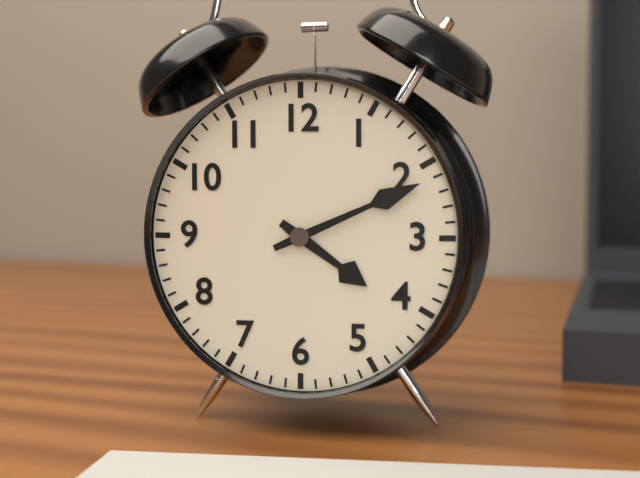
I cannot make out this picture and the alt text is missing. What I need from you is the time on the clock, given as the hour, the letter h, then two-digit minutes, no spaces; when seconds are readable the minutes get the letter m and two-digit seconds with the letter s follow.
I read 4h11
